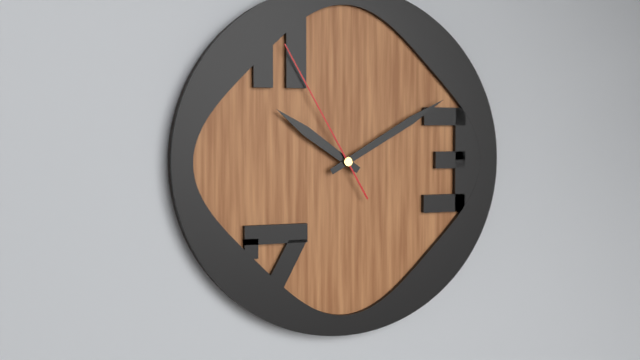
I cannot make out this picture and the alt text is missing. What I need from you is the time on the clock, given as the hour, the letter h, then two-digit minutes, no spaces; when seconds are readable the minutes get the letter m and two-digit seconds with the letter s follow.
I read 10h10m55s
